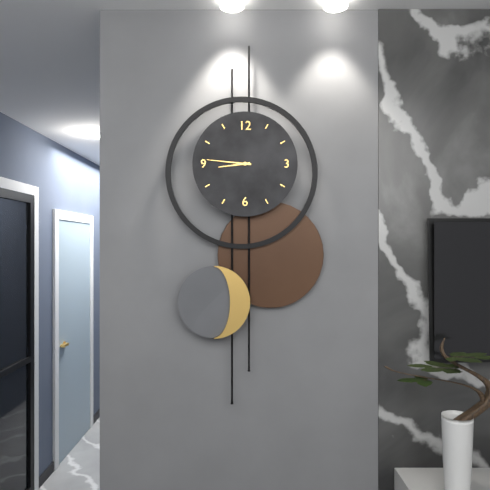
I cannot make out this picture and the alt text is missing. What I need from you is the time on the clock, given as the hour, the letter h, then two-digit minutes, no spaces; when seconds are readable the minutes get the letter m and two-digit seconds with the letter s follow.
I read 8h46
